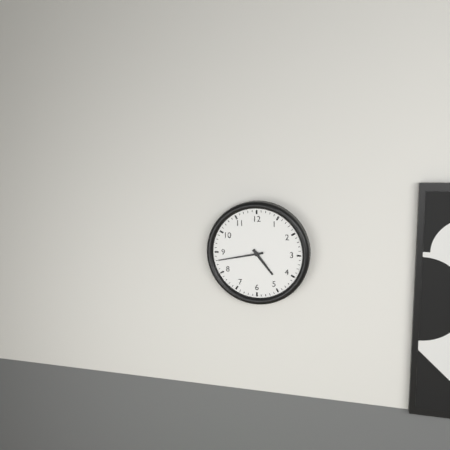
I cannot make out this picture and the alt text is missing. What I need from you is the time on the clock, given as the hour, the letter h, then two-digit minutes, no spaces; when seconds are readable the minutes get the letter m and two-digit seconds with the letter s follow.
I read 4h43
